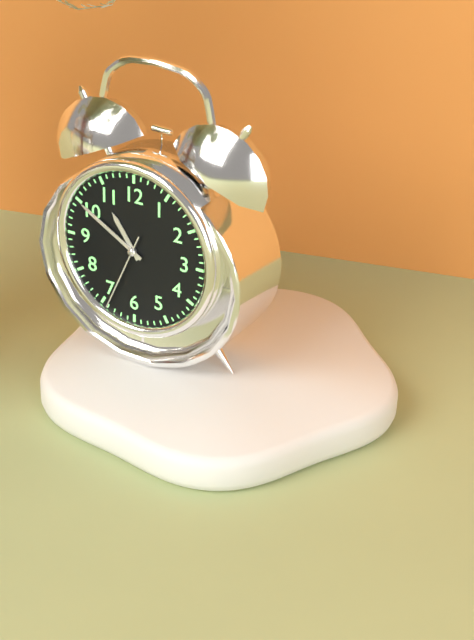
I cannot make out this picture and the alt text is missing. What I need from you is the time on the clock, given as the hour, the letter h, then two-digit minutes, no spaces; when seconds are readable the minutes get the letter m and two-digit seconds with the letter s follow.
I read 10h50m34s
